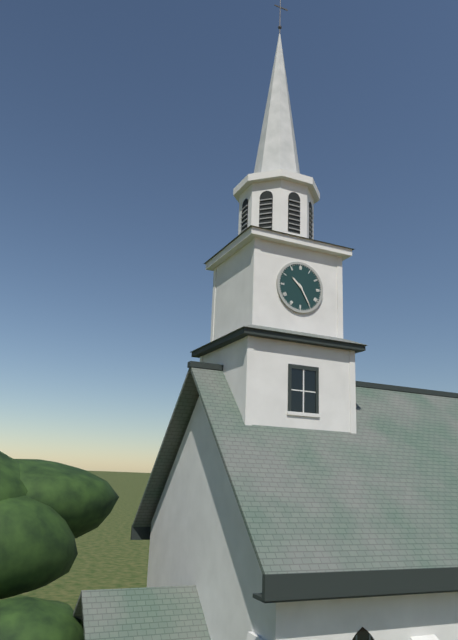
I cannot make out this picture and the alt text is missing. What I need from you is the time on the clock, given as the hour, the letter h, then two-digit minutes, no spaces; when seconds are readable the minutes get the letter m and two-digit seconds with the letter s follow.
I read 10h25
